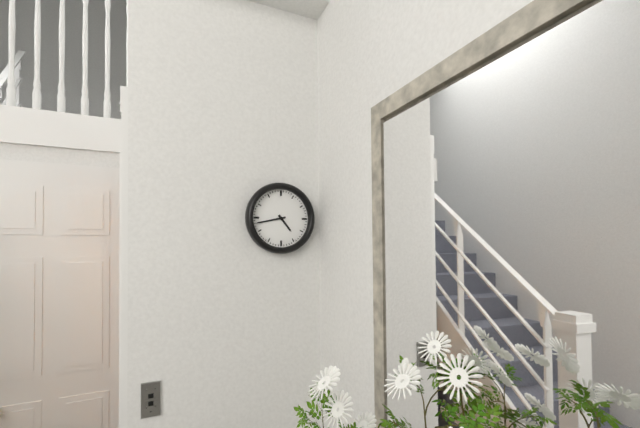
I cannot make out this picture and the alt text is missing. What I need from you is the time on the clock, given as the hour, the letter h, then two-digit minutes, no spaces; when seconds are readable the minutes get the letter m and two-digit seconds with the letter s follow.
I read 4h43
